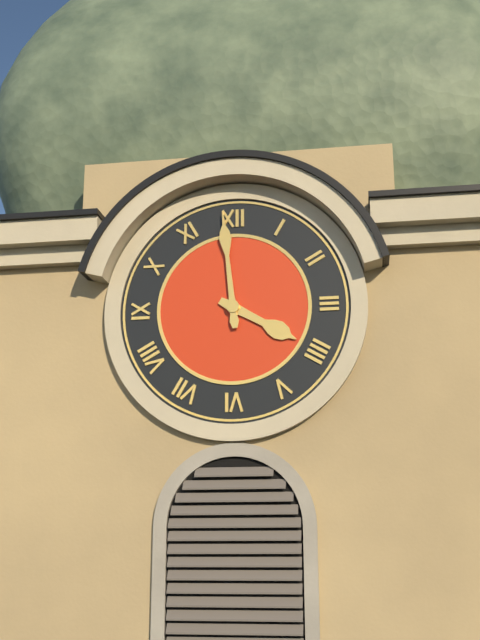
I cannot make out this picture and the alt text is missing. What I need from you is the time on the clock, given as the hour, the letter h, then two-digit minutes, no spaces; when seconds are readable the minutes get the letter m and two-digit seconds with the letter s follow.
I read 3h59
